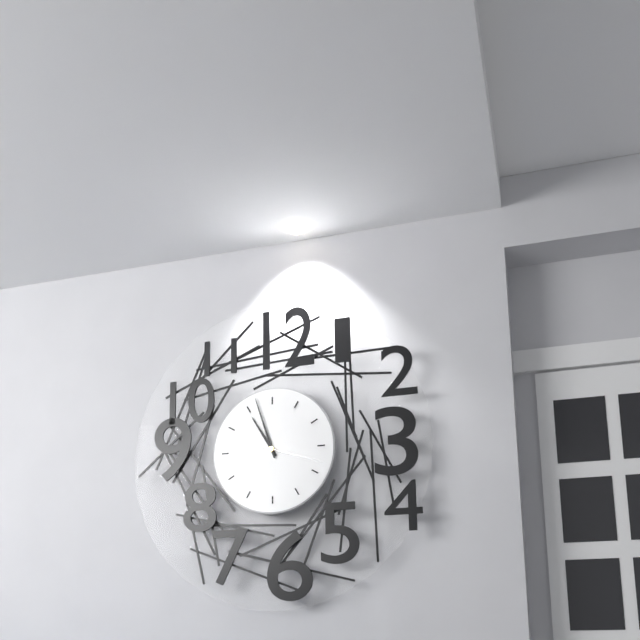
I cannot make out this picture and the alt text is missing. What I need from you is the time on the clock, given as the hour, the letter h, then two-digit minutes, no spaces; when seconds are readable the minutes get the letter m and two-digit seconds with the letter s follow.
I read 10h57m18s
